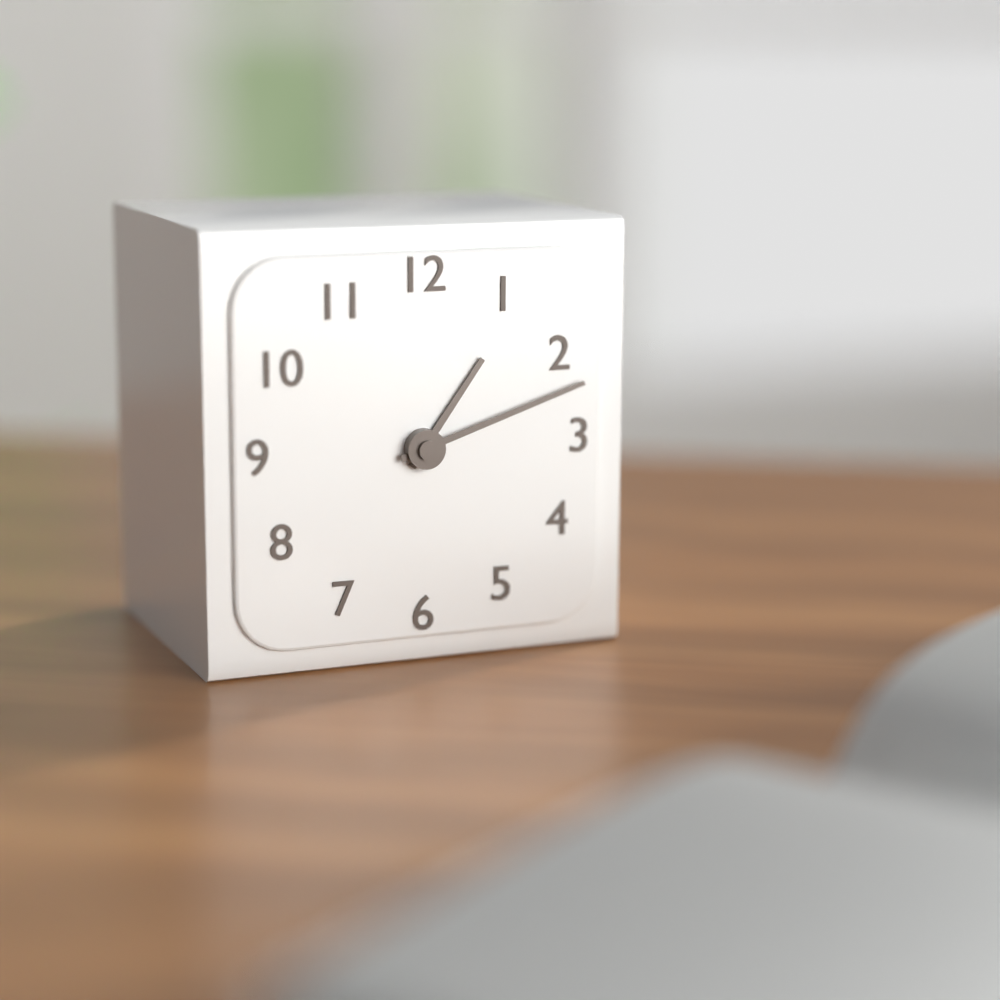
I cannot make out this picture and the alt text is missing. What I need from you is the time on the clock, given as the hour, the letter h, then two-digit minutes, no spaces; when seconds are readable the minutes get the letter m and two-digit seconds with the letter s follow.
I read 1h12
